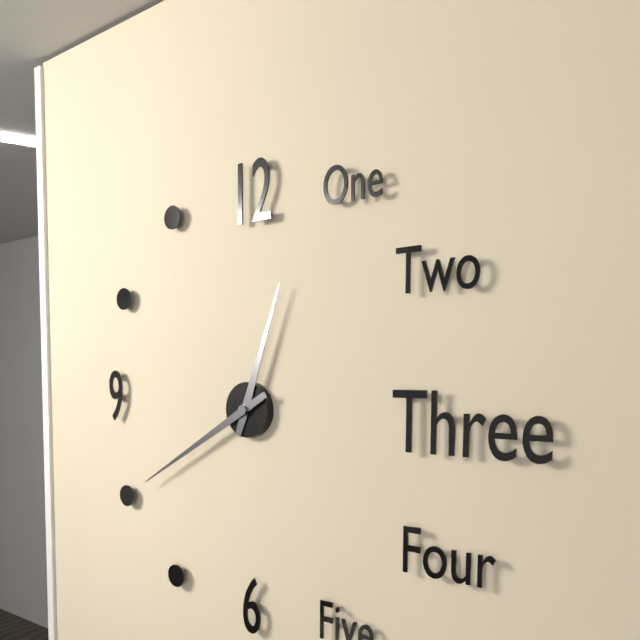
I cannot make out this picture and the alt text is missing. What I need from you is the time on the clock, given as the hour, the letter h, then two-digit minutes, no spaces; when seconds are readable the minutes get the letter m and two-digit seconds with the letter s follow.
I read 12h40
